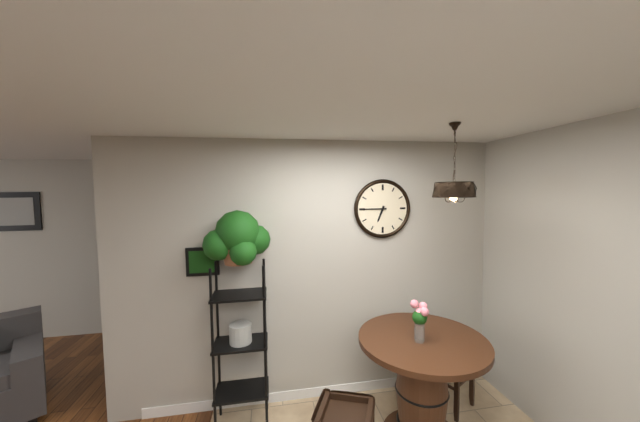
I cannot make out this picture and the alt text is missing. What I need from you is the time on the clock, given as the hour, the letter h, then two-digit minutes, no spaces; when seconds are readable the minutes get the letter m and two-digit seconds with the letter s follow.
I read 6h45
